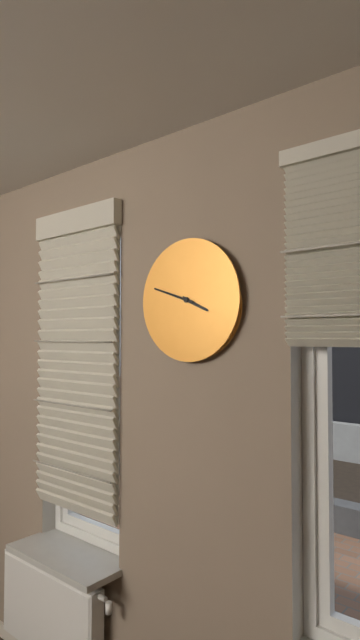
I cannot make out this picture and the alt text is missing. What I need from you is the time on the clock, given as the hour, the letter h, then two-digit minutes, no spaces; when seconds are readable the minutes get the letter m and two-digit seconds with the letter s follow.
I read 3h48
